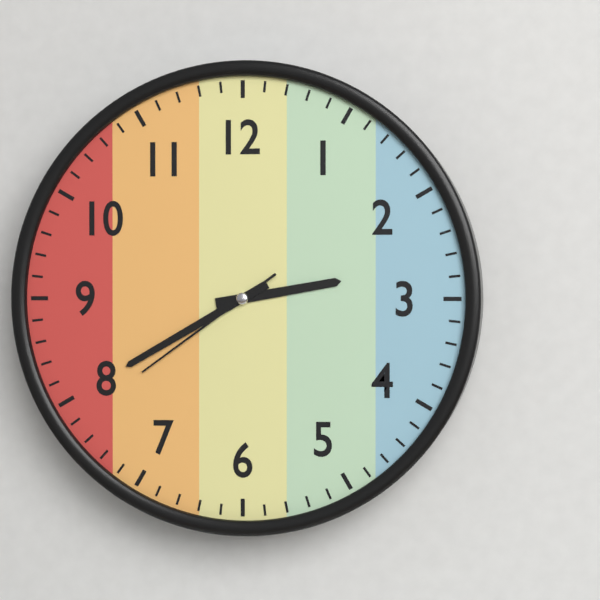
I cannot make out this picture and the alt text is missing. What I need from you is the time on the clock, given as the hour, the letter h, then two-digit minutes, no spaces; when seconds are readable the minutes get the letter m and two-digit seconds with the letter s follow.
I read 2h40m39s
